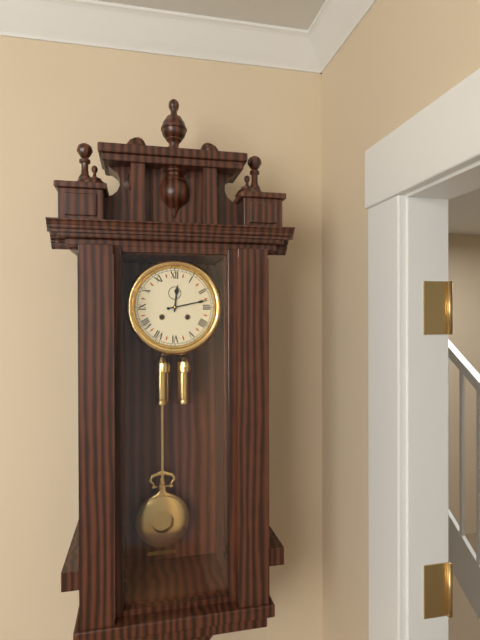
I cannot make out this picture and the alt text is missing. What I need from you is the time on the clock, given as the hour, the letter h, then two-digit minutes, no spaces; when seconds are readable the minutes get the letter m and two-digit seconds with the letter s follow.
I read 12h13
